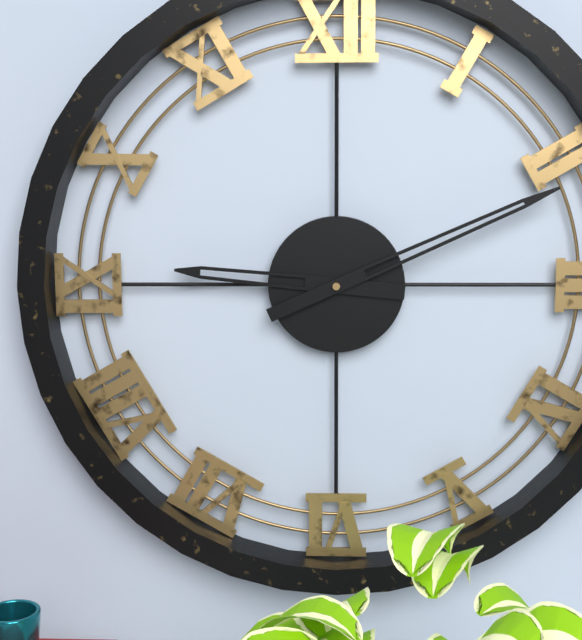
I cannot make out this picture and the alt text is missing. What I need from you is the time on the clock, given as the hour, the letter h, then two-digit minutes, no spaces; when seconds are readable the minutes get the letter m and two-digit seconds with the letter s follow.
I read 9h11
